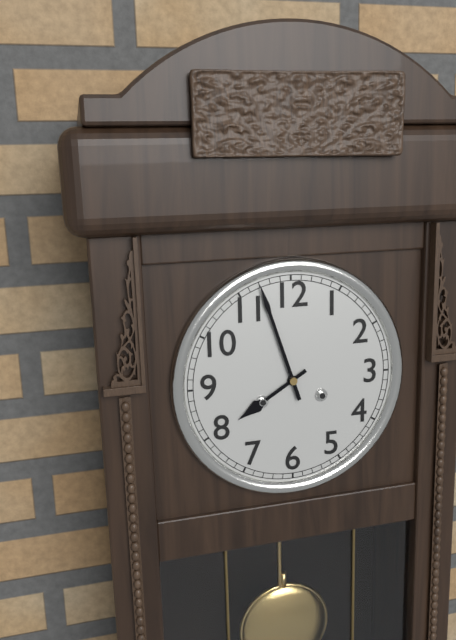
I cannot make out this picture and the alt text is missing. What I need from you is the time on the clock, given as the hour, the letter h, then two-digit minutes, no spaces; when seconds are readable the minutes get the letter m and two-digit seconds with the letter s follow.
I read 7h57
